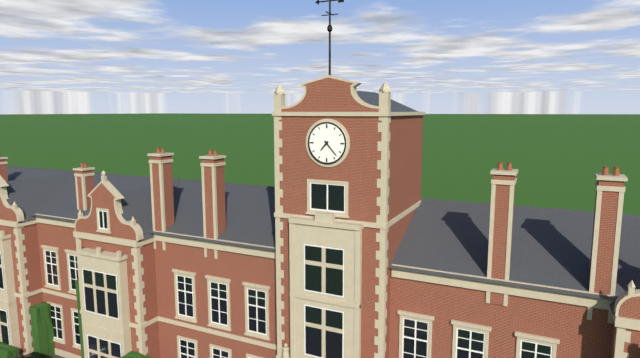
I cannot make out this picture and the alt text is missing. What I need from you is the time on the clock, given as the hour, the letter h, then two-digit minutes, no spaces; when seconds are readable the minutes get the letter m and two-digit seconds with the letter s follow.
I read 7h23
